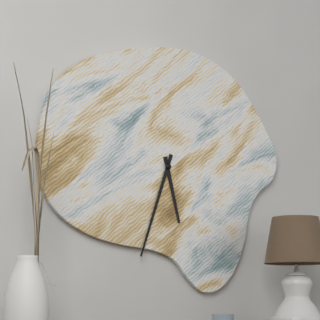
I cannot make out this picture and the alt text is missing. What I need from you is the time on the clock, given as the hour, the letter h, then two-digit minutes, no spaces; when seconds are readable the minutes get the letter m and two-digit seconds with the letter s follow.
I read 5h33
